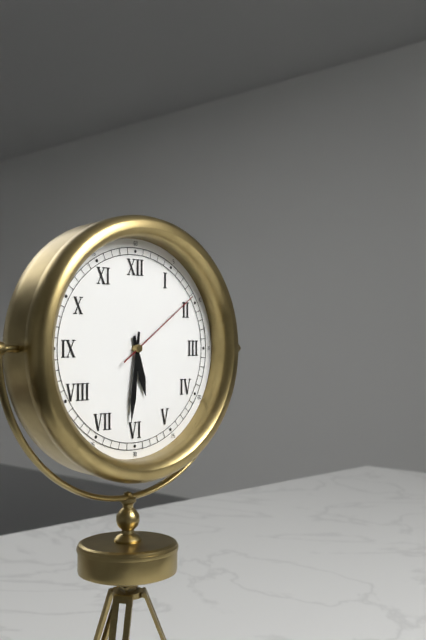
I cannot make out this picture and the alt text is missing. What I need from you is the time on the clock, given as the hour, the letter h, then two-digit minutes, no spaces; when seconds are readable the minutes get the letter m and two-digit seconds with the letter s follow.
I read 5h31m09s
